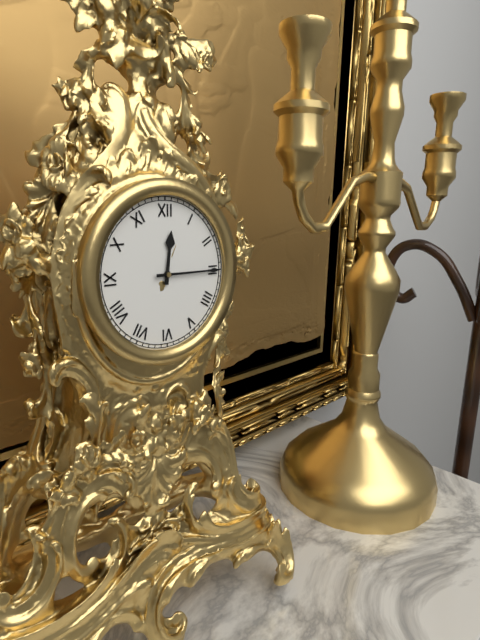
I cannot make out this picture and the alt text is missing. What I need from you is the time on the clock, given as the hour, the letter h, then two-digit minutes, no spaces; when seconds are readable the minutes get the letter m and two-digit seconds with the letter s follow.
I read 12h15
